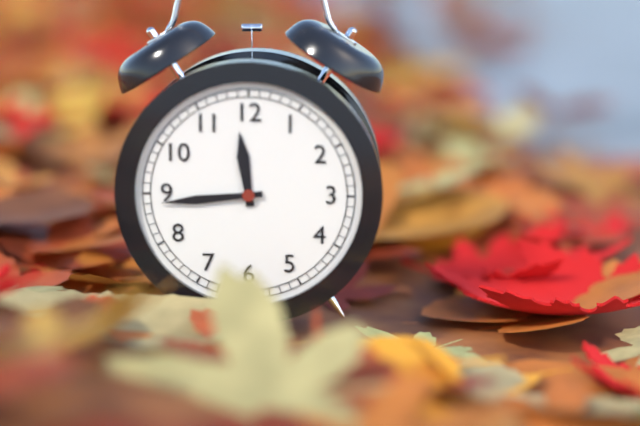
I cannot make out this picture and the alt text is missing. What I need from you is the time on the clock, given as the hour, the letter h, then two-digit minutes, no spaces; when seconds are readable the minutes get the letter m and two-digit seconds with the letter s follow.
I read 11h44
